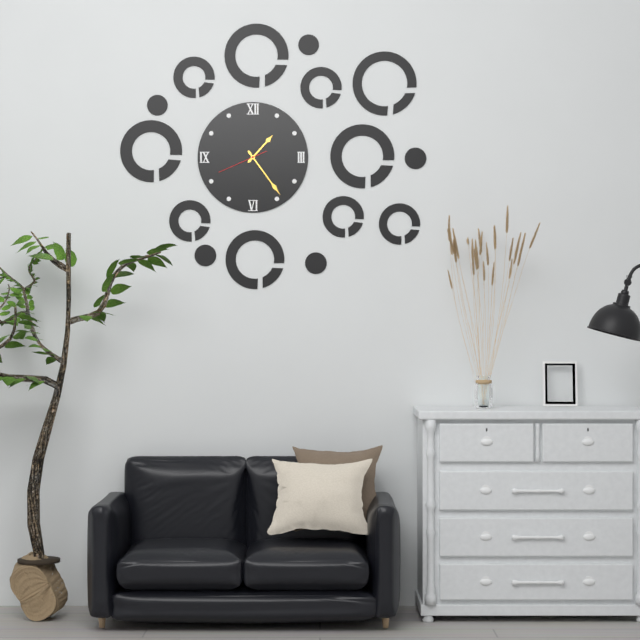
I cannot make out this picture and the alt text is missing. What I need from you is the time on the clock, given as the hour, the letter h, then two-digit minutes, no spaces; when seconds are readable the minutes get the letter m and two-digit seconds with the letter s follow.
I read 1h24
